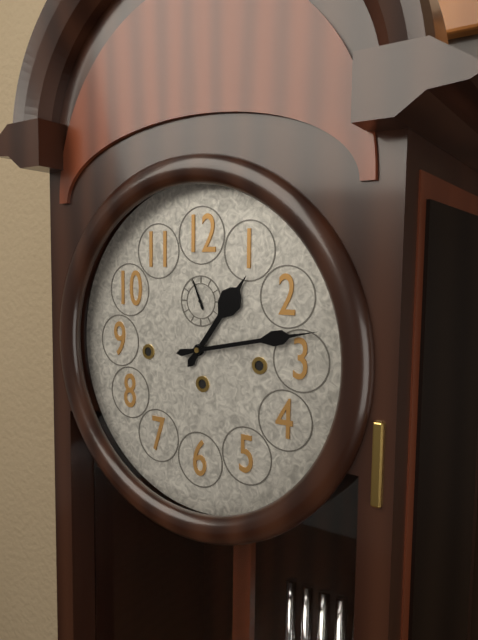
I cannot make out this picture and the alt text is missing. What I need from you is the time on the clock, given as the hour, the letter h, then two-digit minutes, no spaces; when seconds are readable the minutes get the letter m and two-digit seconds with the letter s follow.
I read 1h13
